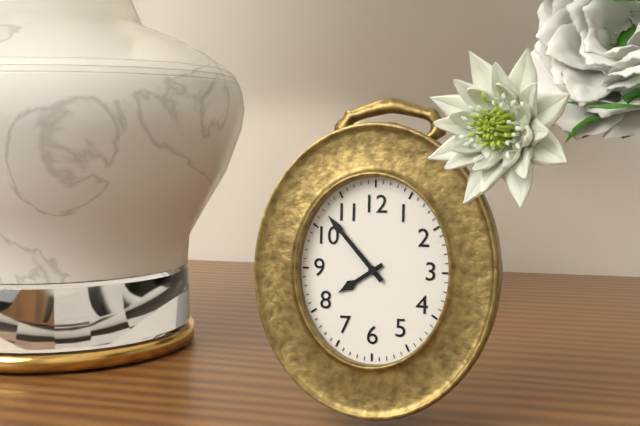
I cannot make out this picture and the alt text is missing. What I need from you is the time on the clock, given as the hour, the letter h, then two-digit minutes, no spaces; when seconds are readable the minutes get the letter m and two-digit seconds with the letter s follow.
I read 7h53
